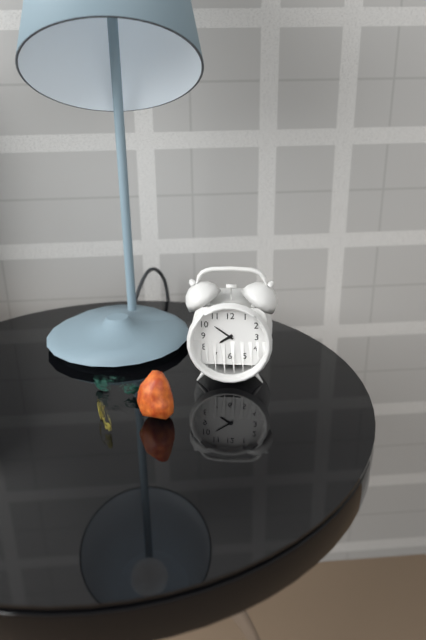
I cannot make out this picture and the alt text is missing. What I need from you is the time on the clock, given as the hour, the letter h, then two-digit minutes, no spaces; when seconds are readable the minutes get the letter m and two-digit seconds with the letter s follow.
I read 7h51
